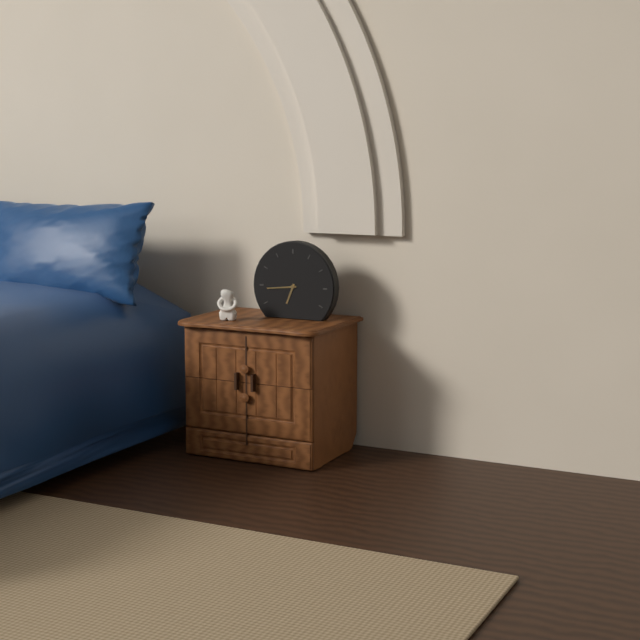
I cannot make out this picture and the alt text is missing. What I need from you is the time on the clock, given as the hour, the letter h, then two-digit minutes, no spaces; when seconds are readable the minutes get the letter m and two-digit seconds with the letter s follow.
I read 6h44
